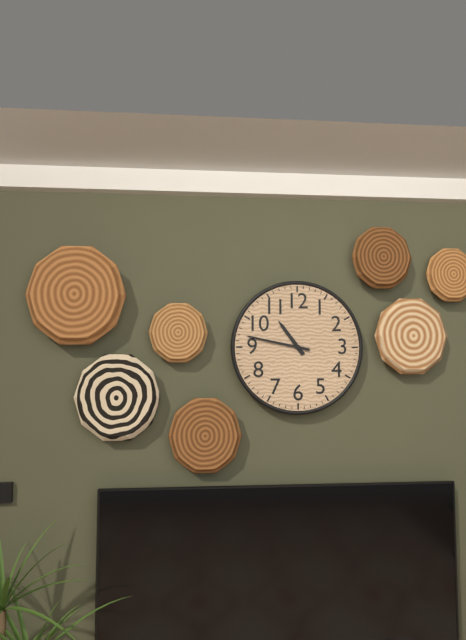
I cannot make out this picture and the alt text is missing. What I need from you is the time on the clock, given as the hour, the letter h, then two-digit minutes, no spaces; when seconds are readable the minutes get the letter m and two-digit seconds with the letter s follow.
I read 10h47
